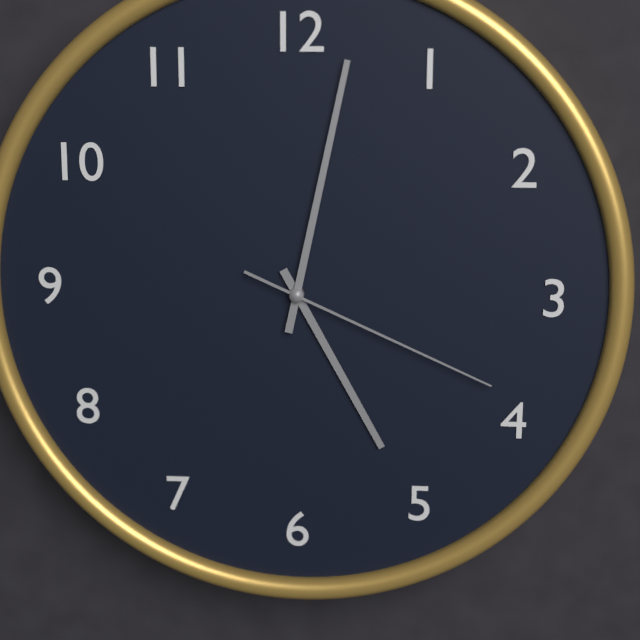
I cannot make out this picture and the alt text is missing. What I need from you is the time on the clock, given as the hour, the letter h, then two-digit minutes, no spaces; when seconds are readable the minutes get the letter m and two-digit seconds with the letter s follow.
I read 5h02m19s
